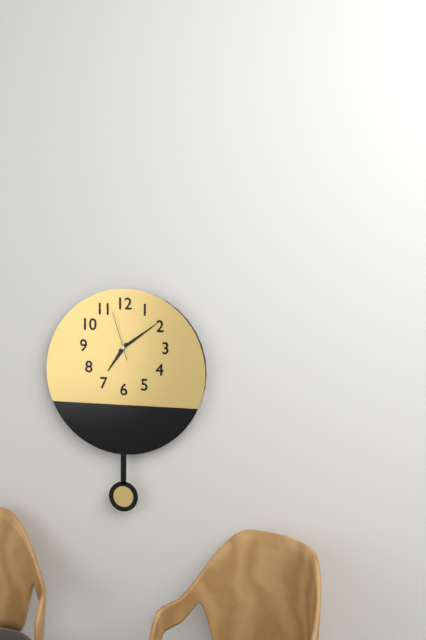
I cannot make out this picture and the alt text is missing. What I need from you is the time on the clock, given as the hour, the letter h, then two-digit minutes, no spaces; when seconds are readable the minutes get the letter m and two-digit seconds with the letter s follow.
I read 7h09
